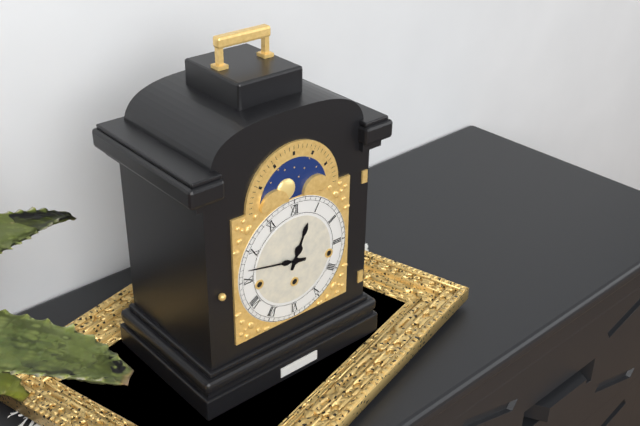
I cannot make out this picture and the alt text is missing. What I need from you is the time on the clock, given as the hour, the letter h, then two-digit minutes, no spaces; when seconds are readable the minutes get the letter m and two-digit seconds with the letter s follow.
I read 12h47
